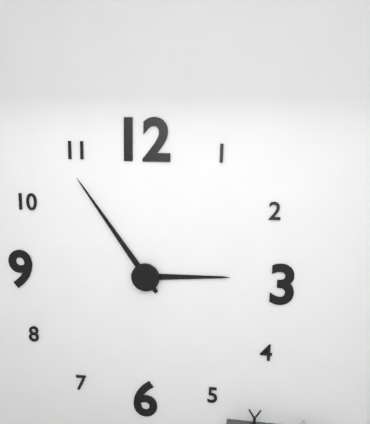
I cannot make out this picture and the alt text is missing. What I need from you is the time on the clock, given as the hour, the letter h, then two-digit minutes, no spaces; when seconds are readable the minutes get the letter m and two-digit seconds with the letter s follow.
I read 2h54
